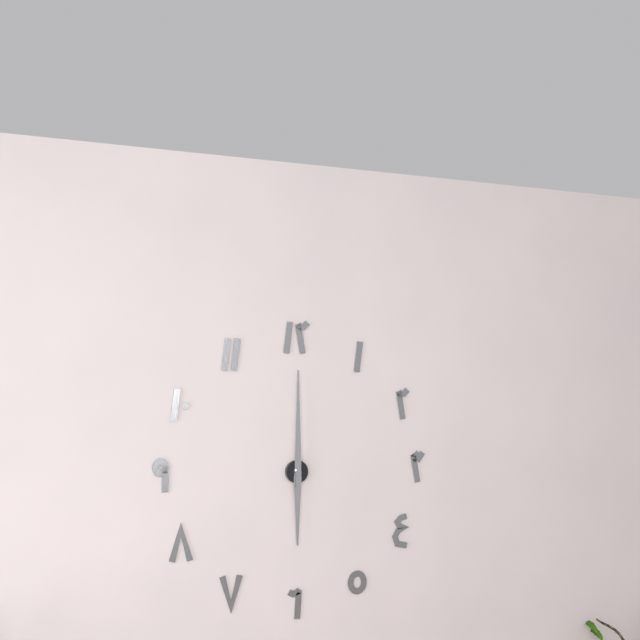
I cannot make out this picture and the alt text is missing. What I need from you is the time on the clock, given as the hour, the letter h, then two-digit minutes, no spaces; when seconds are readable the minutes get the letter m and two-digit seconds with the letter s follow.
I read 6h00
